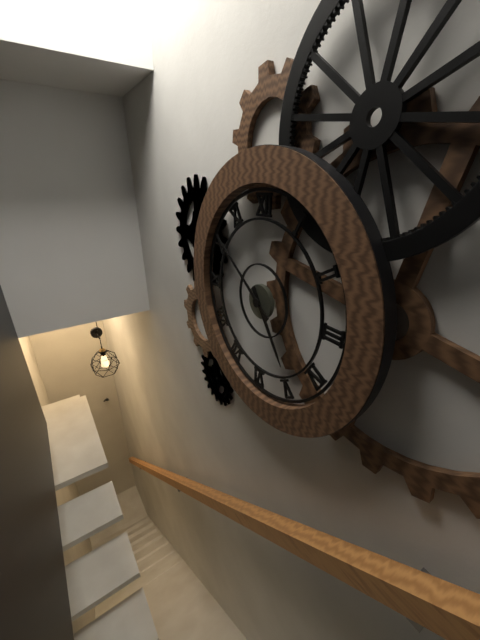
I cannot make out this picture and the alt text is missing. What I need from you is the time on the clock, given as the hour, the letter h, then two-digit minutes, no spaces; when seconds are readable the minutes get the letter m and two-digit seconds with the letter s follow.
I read 4h51
